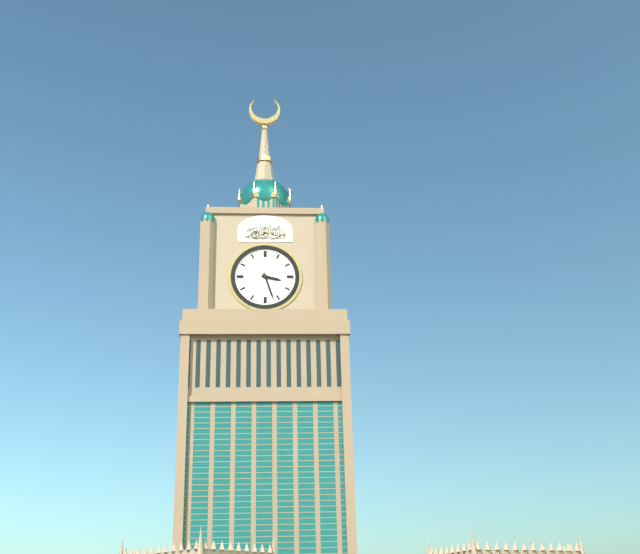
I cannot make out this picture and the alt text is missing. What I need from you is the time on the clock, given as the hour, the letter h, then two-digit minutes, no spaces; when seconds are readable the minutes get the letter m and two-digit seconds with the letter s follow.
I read 3h27
